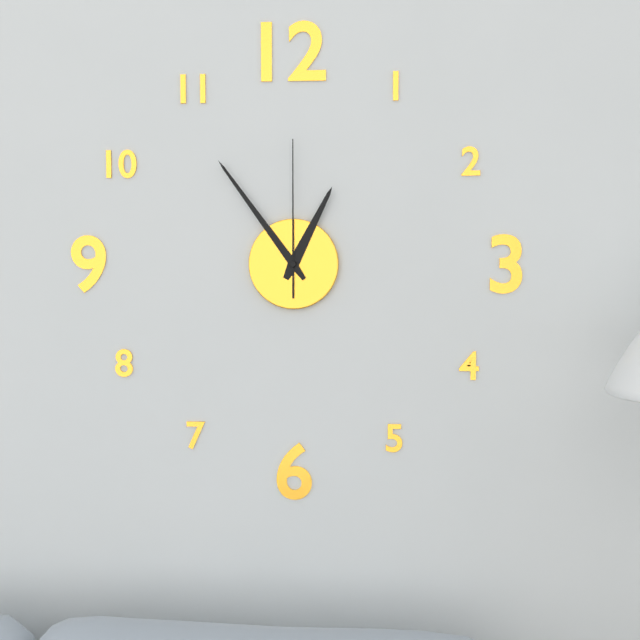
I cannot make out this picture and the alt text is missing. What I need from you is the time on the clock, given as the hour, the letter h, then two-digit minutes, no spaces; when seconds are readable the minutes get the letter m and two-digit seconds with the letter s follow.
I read 12h54m00s
